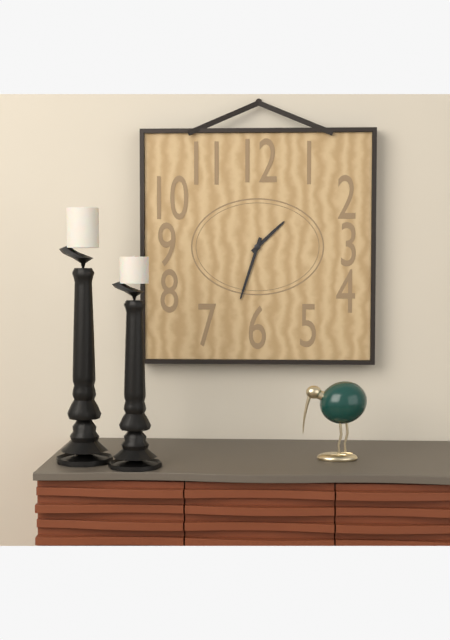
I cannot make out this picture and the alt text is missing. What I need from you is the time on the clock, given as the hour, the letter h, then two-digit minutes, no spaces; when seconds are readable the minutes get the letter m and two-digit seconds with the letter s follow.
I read 1h33
